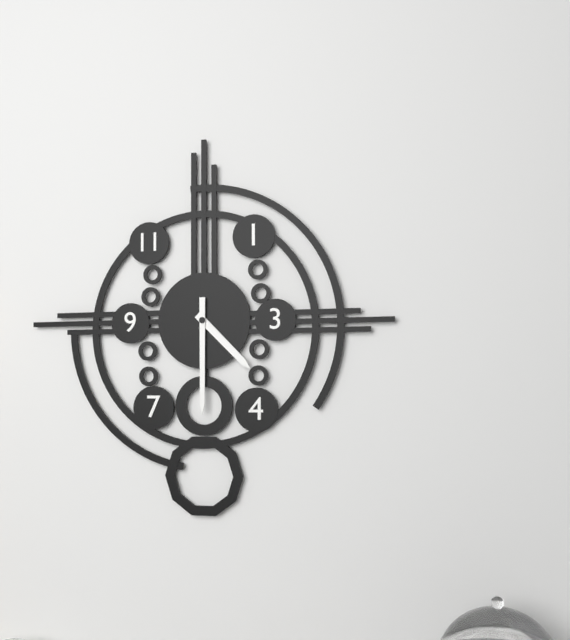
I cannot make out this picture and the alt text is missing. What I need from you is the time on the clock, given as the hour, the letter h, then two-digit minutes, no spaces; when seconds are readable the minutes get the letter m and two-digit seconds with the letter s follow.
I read 4h30
